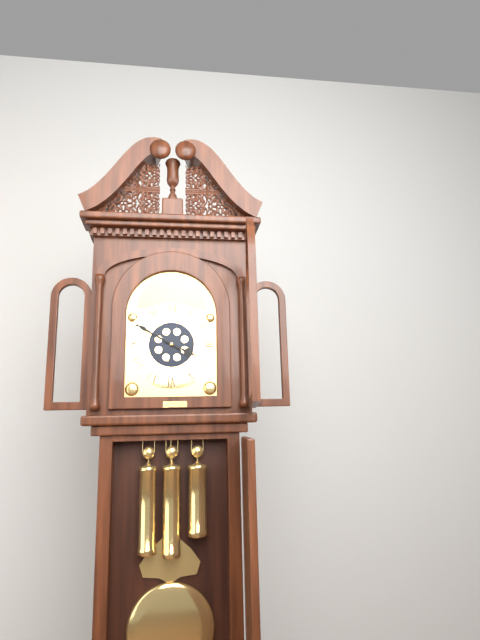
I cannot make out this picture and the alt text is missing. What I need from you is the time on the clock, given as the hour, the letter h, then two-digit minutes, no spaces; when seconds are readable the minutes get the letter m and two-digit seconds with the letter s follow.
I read 3h50
